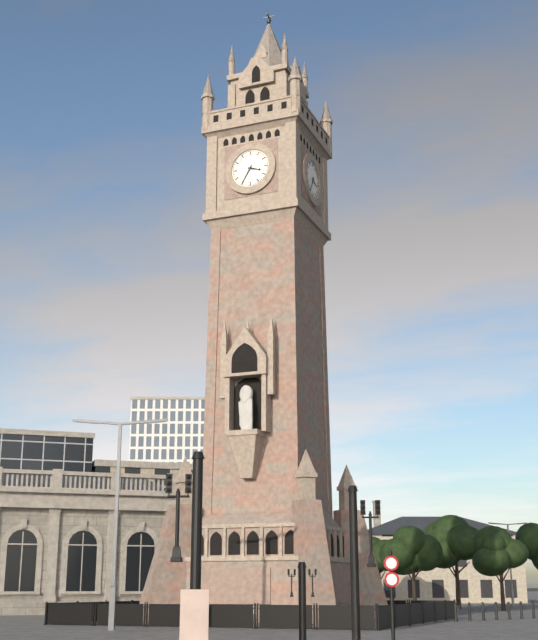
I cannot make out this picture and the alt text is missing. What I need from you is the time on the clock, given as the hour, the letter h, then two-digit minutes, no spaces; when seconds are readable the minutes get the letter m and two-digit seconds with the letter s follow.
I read 3h35
